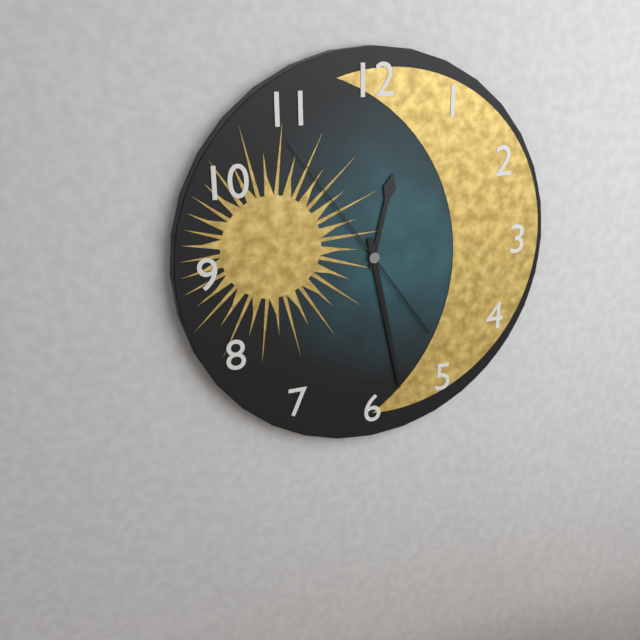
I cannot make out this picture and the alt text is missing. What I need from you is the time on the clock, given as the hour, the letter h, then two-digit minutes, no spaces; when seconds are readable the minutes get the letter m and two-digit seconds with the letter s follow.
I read 12h28m54s
